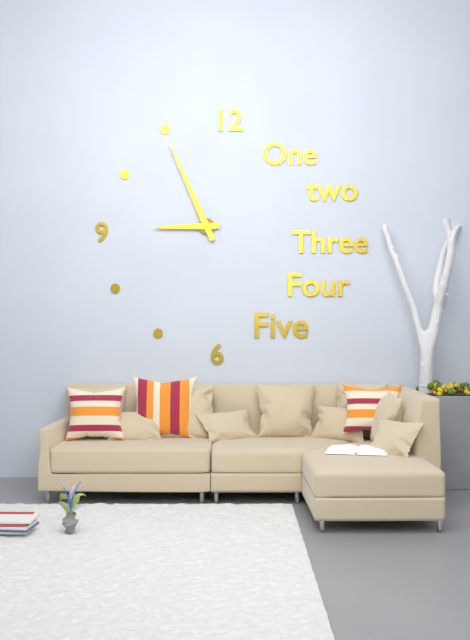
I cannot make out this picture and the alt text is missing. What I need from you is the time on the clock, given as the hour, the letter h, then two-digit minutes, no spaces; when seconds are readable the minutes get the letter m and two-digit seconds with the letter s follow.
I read 8h56
